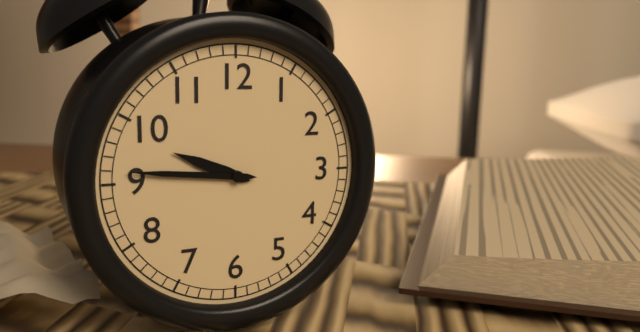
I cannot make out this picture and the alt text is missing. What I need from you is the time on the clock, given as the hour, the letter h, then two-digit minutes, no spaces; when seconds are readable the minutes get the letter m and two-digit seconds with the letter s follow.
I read 9h46
